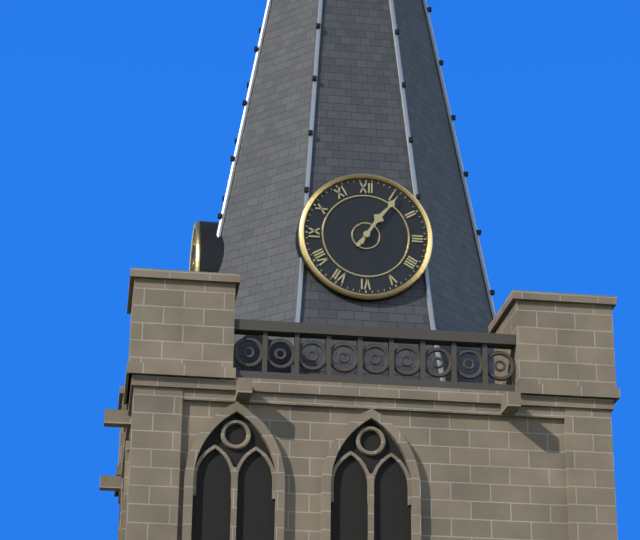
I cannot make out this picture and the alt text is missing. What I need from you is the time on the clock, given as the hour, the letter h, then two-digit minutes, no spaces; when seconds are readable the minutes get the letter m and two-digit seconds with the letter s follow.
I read 1h06
